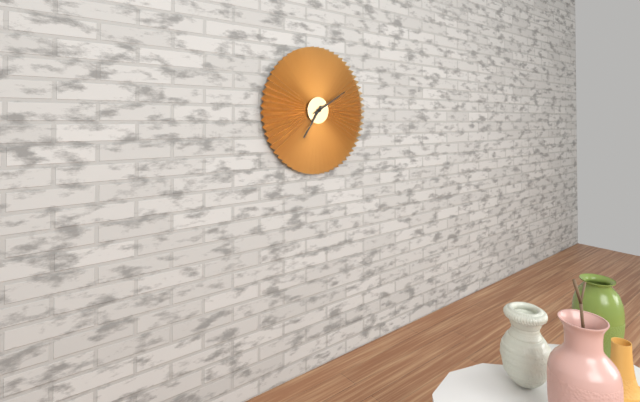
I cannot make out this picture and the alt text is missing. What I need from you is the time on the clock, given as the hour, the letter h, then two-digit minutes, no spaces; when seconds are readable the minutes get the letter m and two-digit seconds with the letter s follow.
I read 7h10
